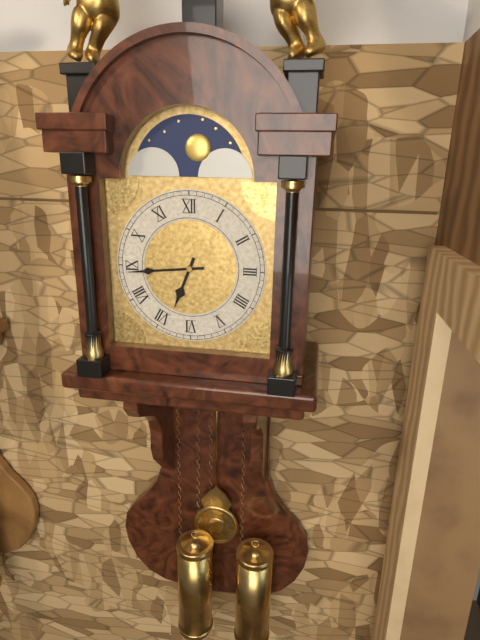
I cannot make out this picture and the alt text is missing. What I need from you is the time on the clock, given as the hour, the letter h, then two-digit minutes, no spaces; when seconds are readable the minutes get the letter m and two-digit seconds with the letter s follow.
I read 6h44
